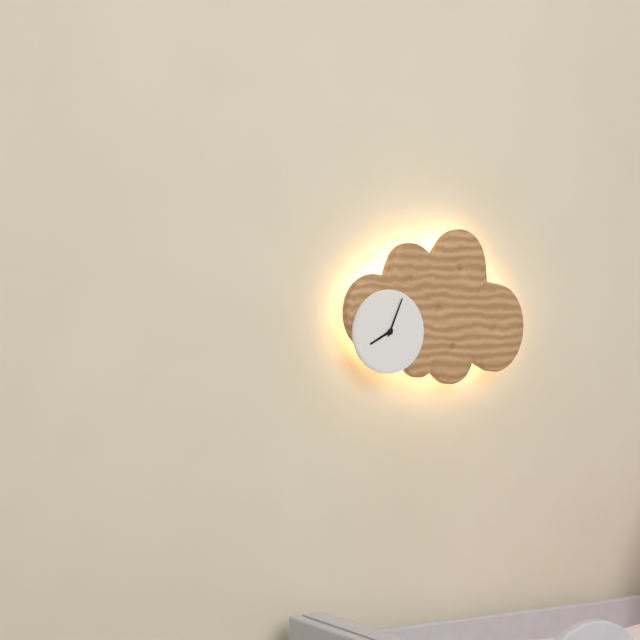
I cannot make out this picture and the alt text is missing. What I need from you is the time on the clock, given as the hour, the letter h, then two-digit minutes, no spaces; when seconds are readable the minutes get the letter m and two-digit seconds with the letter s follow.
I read 8h04
